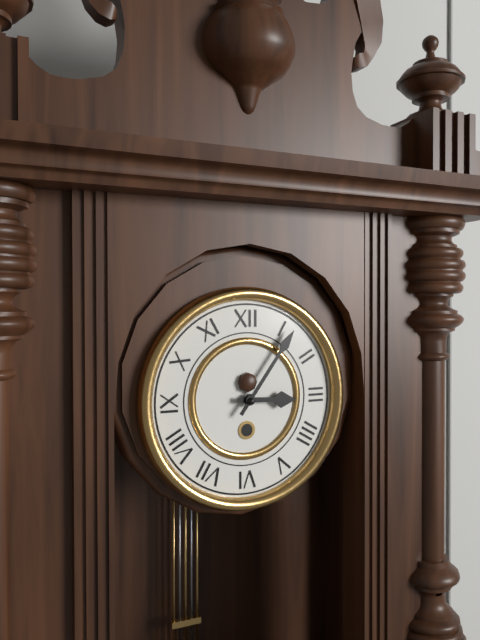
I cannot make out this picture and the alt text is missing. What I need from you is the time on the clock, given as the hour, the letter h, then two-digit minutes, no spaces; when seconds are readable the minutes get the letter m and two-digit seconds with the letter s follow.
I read 3h06
